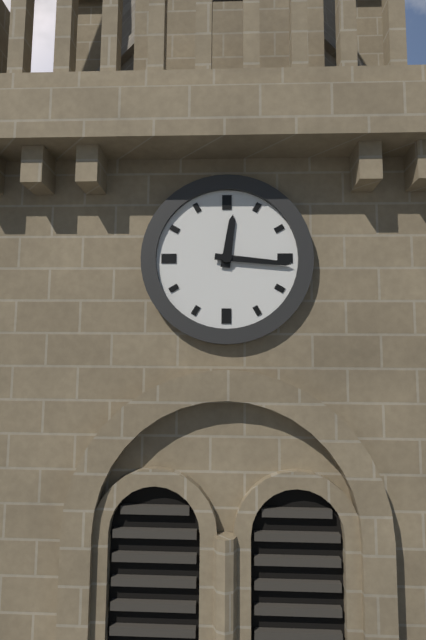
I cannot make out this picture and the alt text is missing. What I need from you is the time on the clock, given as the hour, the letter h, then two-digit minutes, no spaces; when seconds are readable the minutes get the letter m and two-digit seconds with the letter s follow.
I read 12h16
